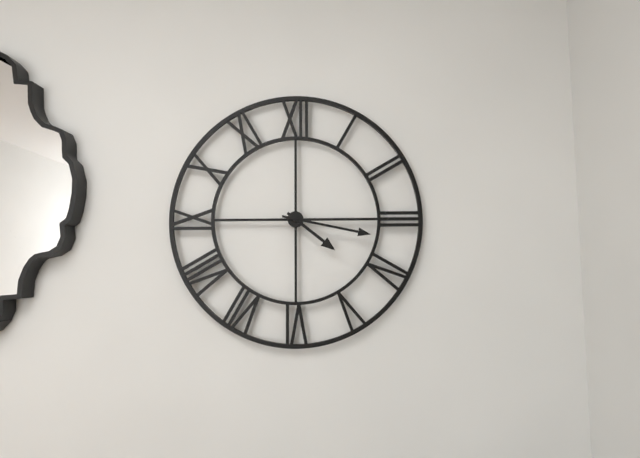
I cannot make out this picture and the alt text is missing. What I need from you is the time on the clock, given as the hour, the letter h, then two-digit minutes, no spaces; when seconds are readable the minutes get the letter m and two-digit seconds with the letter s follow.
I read 4h17
